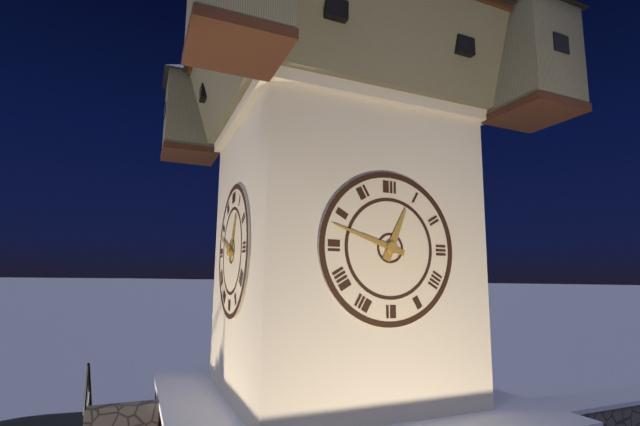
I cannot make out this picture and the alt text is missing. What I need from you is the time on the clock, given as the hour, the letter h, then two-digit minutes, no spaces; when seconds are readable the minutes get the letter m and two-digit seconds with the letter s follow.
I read 12h48
